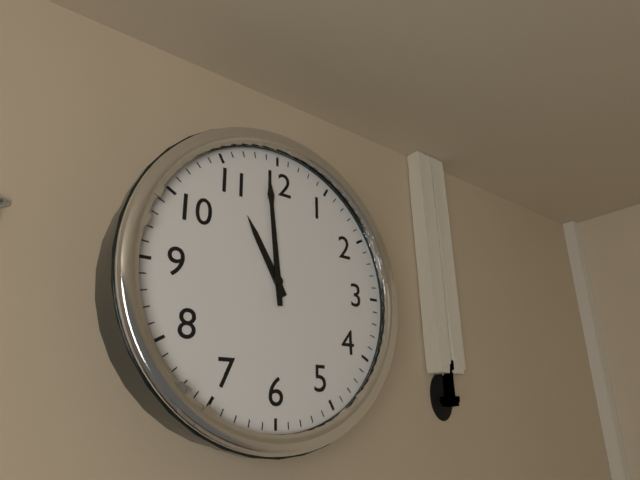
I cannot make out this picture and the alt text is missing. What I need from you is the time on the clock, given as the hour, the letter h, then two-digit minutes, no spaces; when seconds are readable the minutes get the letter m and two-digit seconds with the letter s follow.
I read 10h59
